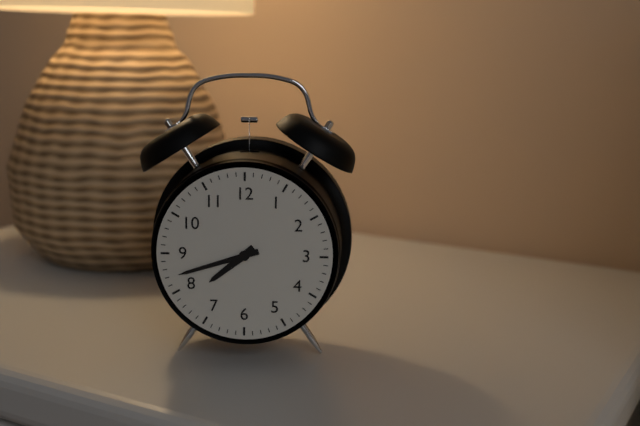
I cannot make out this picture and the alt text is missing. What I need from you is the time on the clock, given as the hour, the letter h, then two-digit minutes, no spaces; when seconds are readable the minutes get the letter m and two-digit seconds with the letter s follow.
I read 7h42
